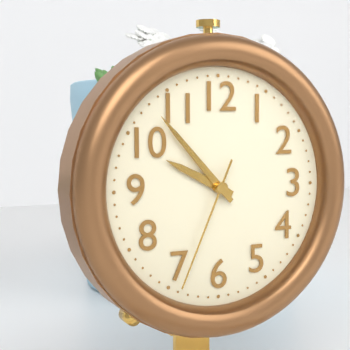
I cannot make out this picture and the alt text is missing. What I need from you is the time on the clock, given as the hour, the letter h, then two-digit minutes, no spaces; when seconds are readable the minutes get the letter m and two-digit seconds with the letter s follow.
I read 9h53m34s
